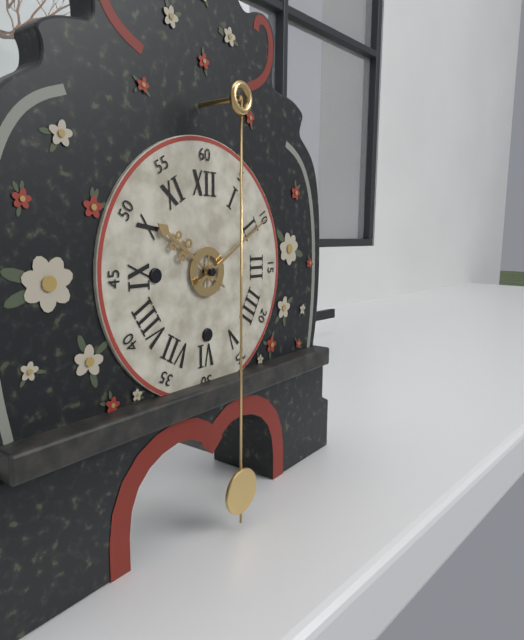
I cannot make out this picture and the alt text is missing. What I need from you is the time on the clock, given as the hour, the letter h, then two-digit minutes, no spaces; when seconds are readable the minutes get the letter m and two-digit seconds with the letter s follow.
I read 10h10
